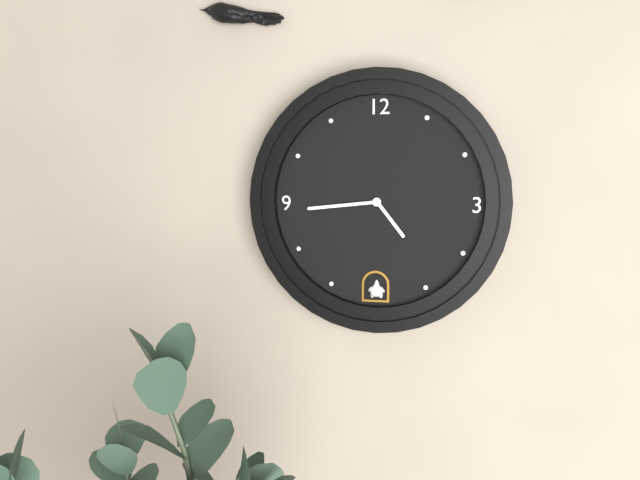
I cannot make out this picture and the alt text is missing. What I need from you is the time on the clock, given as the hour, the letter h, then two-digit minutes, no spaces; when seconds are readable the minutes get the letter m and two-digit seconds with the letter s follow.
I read 4h44
